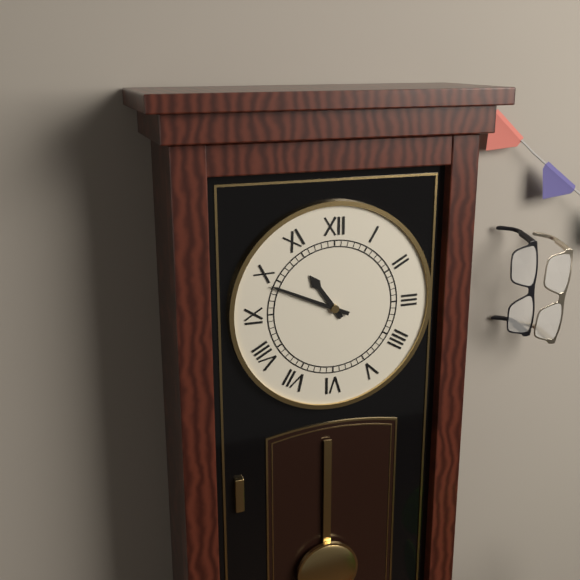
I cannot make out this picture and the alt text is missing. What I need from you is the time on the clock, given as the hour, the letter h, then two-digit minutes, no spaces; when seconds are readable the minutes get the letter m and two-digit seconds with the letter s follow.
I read 10h49
